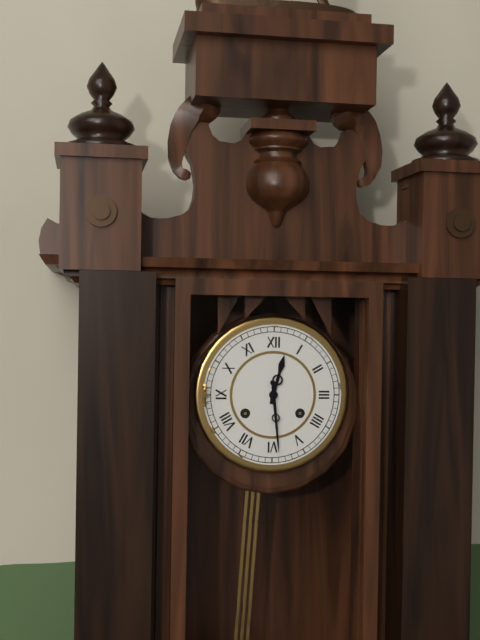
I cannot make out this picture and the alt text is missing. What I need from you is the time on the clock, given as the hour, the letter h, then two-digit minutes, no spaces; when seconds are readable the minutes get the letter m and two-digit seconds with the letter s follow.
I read 12h29
